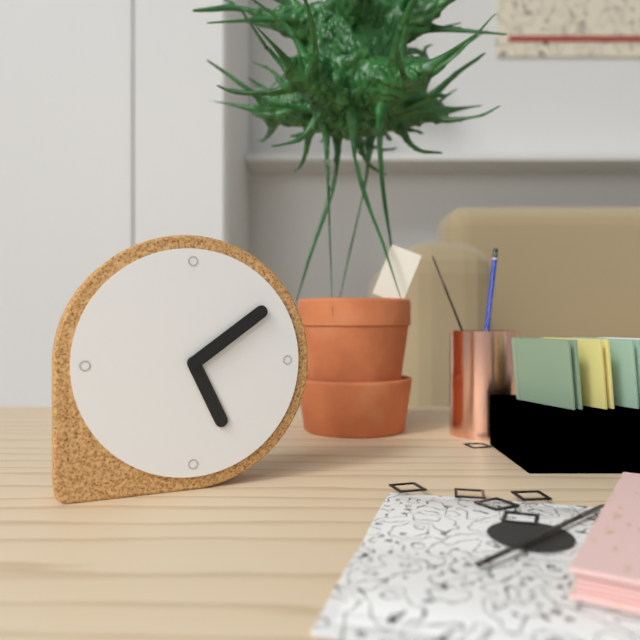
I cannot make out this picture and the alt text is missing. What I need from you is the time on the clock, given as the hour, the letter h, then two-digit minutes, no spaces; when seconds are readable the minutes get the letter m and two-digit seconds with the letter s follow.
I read 5h09
